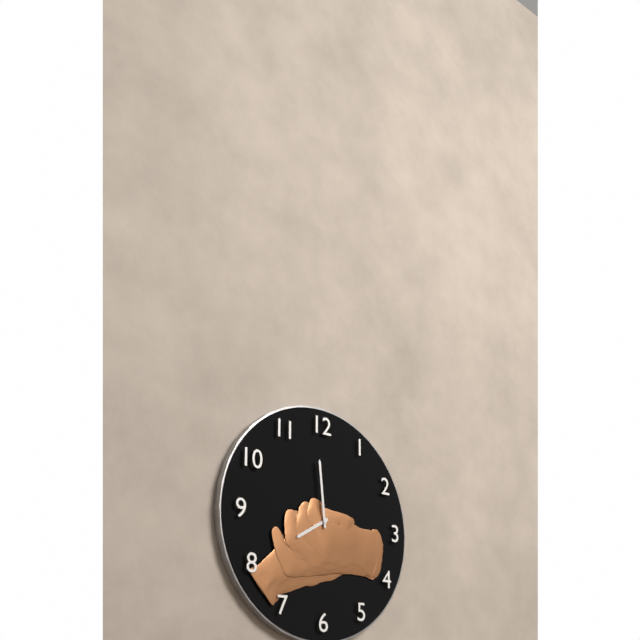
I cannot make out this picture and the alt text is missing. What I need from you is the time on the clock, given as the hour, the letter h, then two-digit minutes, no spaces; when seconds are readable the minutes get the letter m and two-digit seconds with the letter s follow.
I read 7h59
